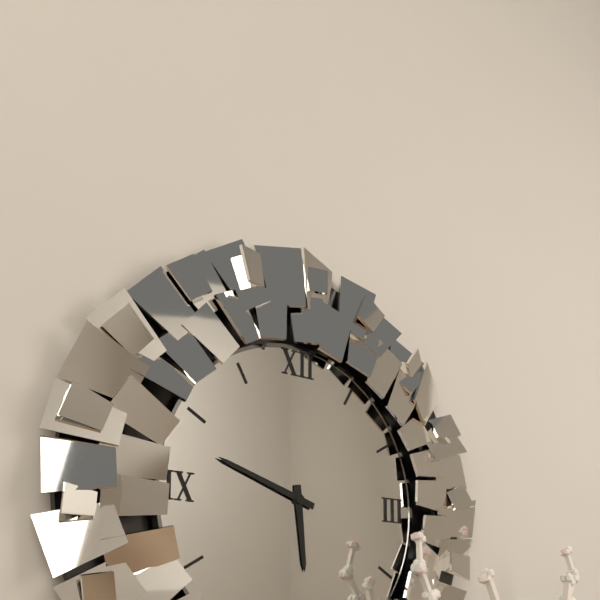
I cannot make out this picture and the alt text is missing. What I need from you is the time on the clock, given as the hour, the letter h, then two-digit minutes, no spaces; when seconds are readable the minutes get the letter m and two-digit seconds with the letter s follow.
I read 5h48
